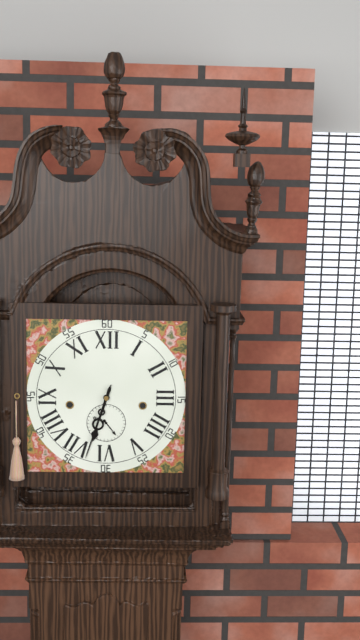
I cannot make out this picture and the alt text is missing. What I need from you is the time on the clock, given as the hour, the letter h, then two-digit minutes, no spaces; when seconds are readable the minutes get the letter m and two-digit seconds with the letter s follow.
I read 6h33
